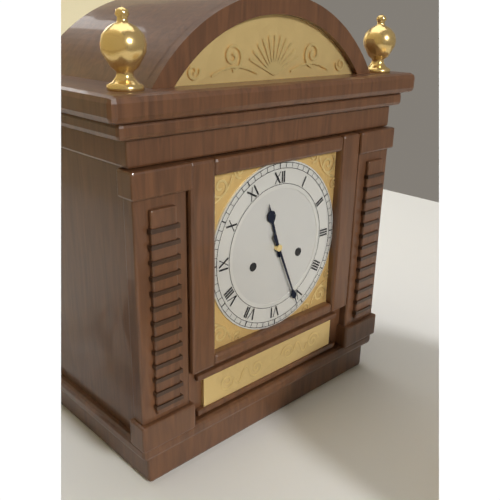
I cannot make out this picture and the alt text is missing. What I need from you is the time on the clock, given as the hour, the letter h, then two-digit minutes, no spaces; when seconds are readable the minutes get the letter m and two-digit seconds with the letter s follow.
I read 11h26
